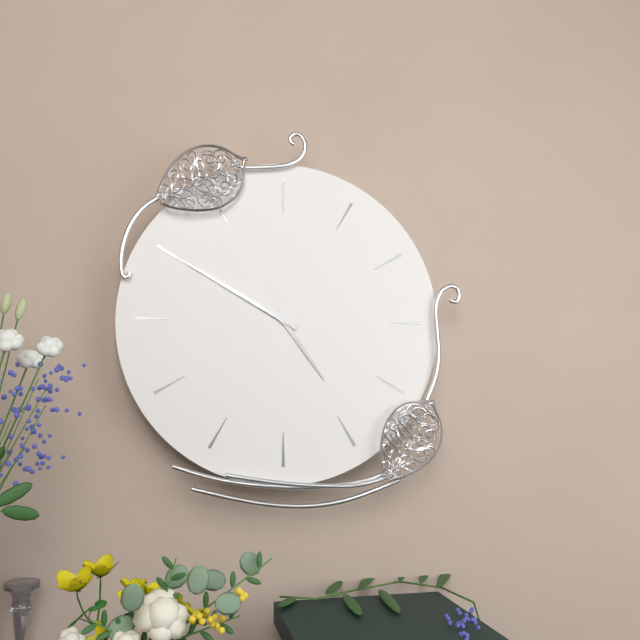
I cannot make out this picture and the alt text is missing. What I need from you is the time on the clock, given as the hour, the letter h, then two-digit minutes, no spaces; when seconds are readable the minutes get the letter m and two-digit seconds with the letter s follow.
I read 4h50
